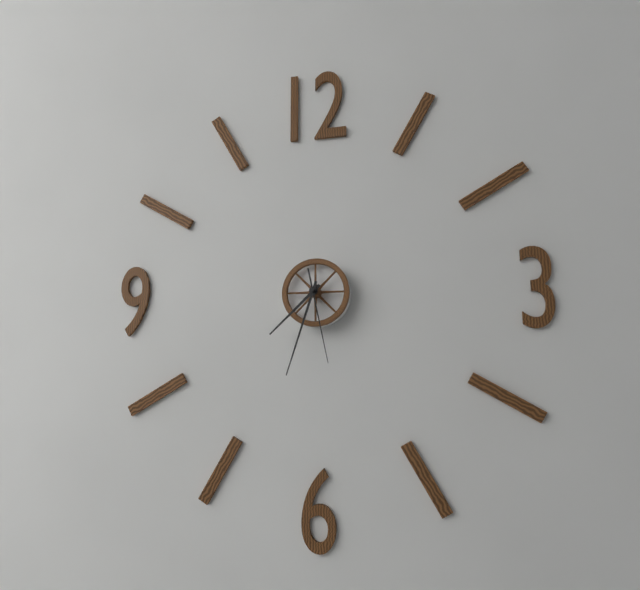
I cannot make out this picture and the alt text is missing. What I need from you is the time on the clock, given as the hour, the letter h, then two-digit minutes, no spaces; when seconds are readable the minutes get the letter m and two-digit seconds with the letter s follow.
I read 7h33m28s
